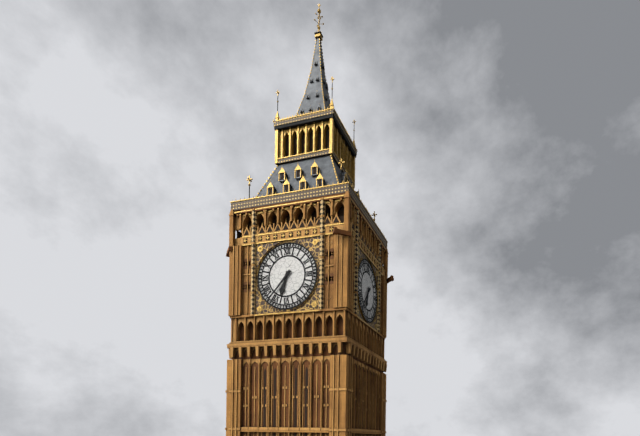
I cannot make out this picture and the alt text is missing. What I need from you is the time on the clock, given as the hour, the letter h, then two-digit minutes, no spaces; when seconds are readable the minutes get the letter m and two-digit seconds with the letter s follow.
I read 6h37
